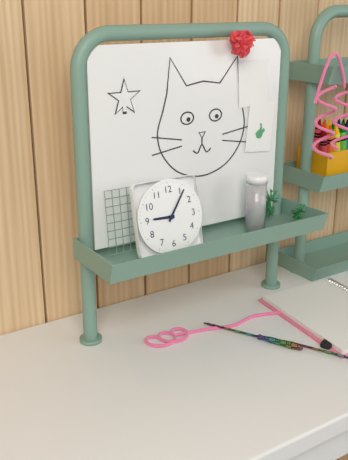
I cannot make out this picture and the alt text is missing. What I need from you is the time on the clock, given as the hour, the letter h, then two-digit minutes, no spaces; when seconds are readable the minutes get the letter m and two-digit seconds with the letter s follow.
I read 9h06
